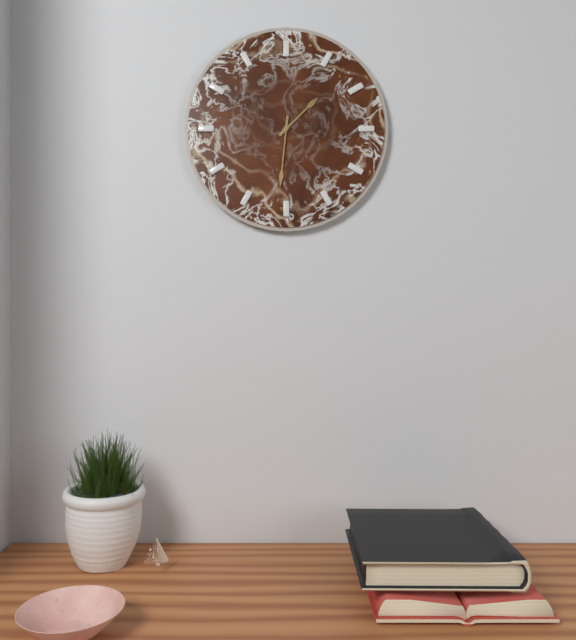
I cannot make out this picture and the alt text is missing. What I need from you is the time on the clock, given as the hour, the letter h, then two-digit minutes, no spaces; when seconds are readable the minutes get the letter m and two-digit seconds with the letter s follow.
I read 1h31
